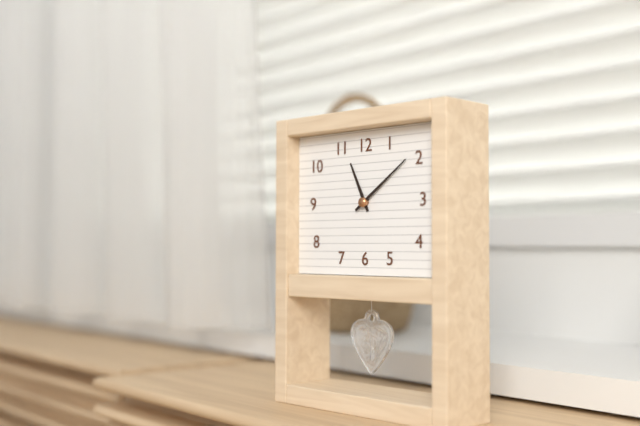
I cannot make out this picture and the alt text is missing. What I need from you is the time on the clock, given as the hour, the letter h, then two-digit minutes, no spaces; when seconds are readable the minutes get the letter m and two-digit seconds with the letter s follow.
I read 11h09
